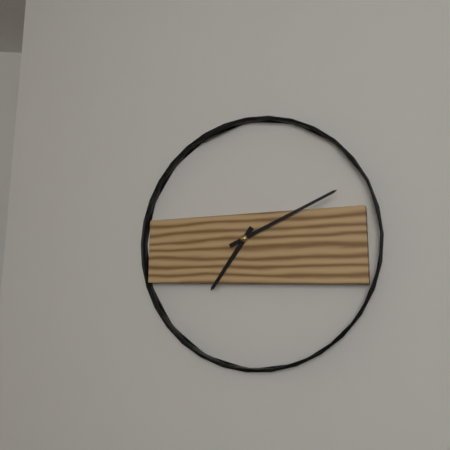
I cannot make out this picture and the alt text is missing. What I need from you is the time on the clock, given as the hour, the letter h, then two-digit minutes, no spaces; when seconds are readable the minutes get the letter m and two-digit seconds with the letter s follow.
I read 7h11
